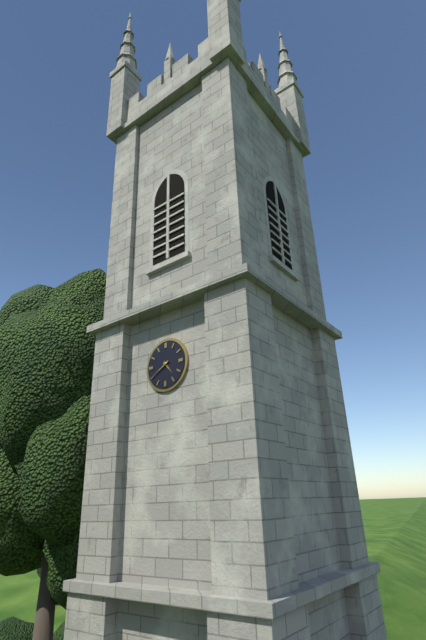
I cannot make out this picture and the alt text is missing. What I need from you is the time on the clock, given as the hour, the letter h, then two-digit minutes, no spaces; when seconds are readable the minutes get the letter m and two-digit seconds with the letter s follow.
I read 4h40
